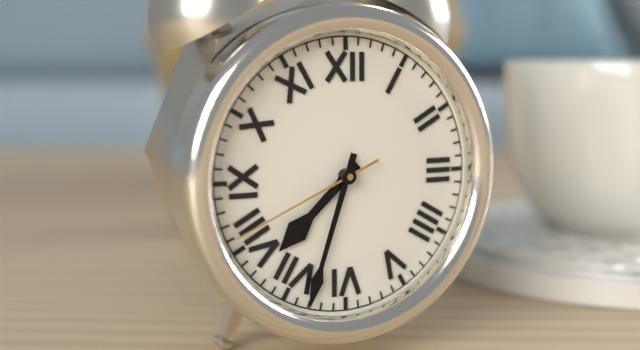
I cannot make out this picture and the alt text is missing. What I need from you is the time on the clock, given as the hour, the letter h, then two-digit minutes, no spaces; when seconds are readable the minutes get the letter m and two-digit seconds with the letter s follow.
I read 7h33m41s
